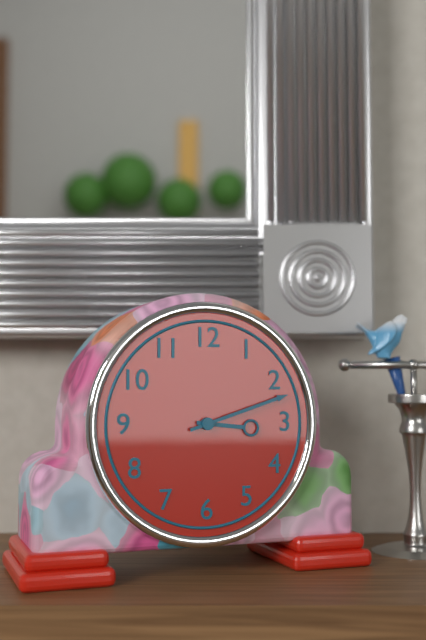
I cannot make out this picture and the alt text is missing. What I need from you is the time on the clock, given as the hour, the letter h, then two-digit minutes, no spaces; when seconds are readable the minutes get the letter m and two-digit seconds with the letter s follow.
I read 3h12
